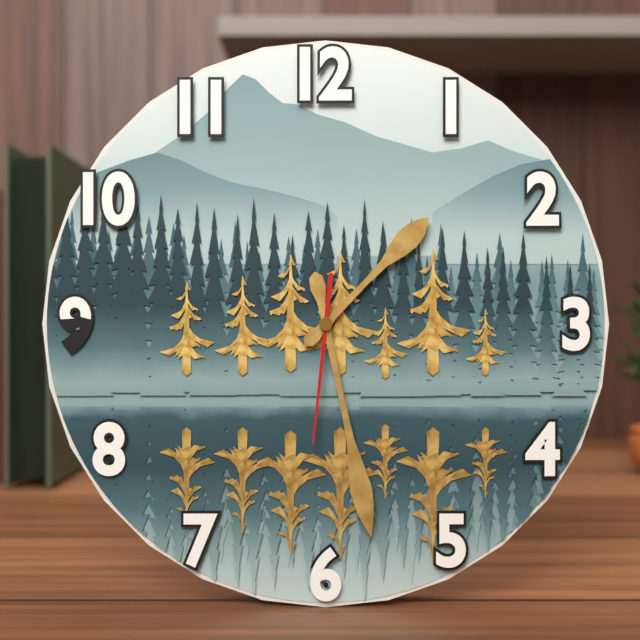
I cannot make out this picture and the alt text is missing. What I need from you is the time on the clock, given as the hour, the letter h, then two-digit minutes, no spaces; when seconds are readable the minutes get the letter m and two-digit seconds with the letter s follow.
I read 1h28m31s
